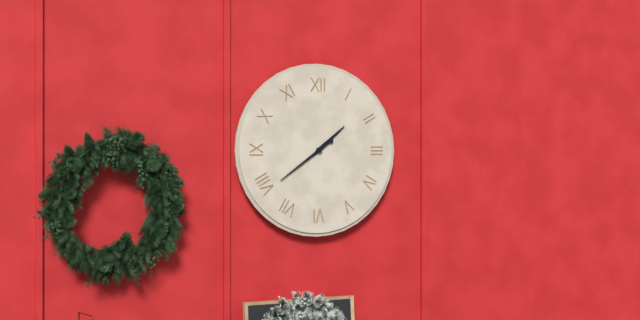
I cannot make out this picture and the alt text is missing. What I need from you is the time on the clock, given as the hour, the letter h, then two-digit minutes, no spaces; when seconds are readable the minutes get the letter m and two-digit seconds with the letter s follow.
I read 1h39
